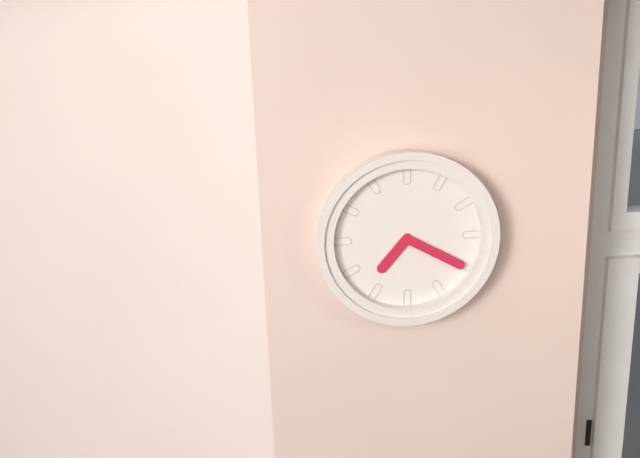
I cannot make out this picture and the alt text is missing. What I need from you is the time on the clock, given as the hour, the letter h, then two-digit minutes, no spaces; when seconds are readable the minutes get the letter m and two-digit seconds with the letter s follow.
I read 7h20
